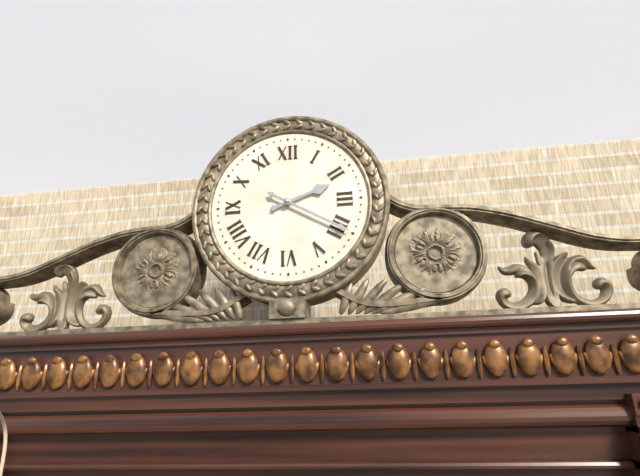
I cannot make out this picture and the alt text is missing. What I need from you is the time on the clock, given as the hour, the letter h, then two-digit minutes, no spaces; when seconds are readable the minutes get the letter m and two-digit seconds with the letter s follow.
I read 2h20
